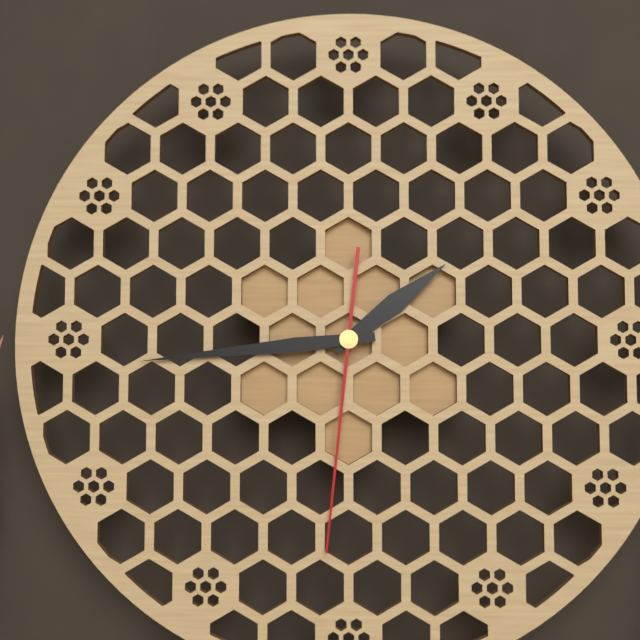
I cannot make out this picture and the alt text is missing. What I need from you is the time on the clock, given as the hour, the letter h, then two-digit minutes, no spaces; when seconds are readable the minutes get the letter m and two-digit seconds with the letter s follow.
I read 1h44m31s
